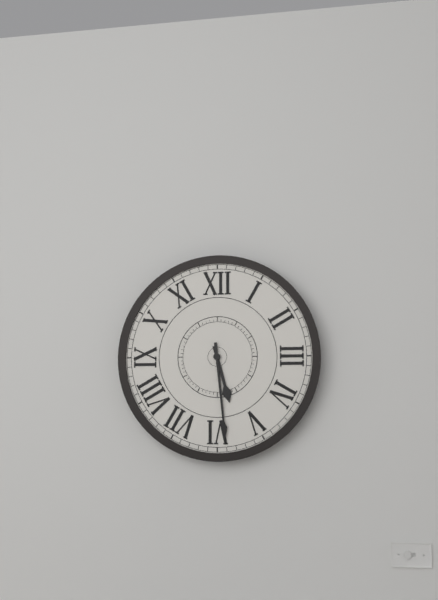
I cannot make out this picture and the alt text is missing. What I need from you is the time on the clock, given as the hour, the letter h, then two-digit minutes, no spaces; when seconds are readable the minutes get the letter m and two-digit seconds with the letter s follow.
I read 5h29
